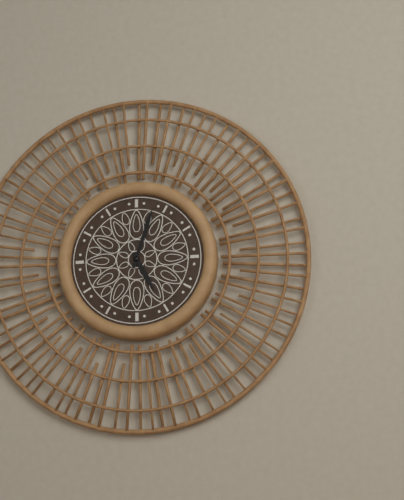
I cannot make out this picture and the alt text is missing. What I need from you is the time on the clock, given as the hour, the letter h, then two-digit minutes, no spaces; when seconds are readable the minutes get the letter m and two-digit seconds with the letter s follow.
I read 5h03
